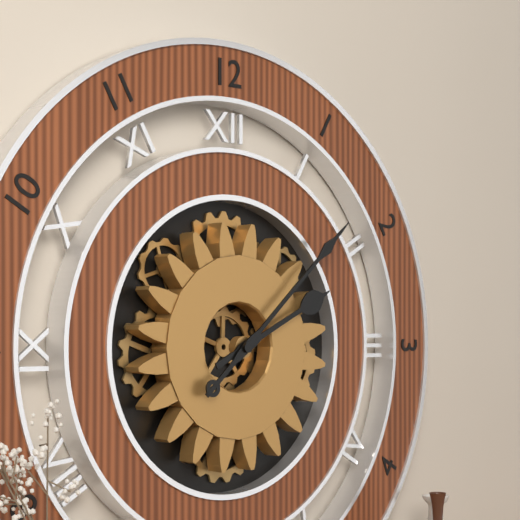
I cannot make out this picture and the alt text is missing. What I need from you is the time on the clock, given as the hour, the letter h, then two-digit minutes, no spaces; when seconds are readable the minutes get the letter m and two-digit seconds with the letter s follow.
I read 2h08
